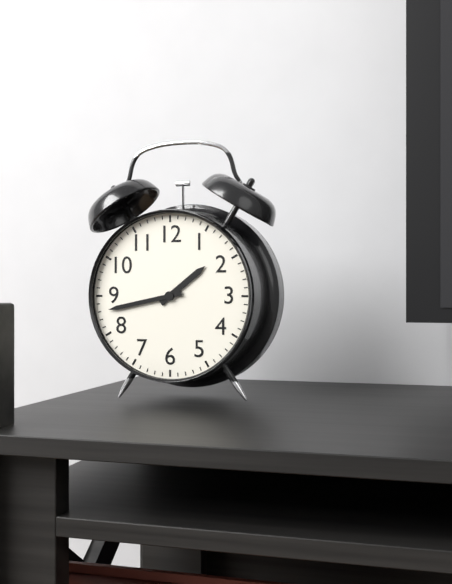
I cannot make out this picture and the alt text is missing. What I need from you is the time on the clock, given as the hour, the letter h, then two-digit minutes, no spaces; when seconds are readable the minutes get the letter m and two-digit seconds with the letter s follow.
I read 1h43
